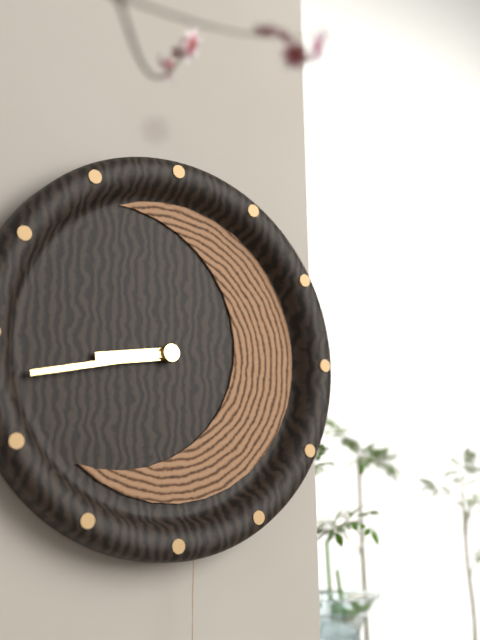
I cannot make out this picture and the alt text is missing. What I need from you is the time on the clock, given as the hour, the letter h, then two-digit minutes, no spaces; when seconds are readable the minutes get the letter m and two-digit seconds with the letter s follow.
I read 8h43
